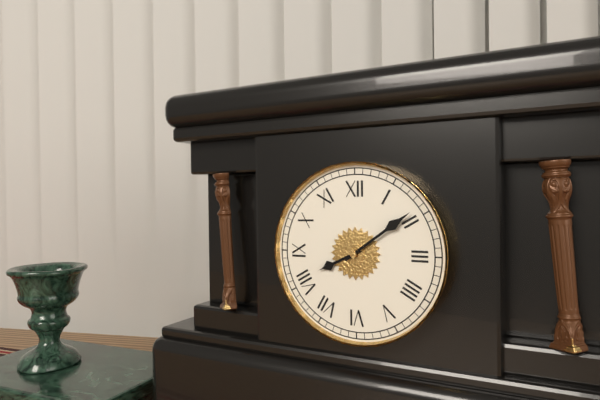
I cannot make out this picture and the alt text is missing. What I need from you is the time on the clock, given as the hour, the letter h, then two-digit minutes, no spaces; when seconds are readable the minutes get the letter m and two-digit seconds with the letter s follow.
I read 8h09
